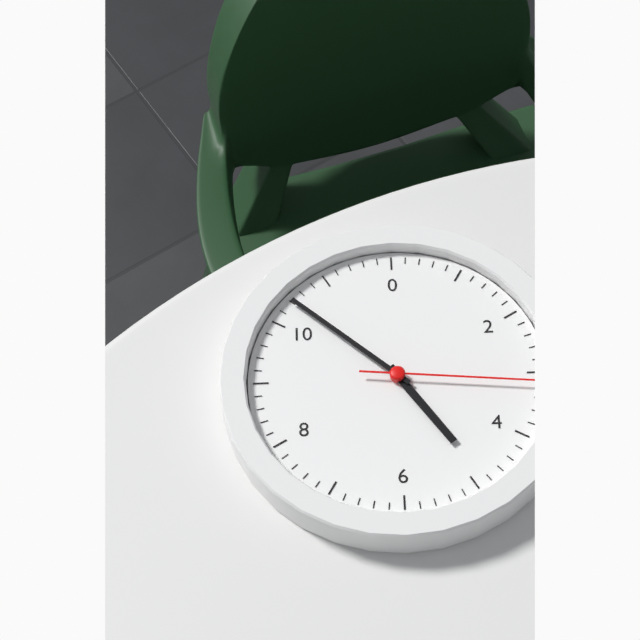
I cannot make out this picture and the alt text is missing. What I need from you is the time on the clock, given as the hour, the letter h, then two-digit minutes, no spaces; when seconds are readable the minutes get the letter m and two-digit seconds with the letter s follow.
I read 4h52m16s
